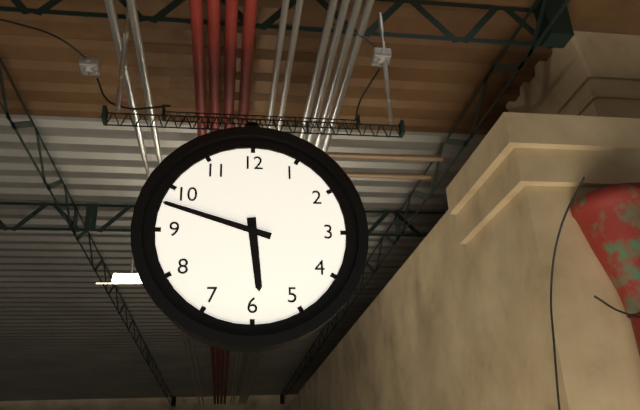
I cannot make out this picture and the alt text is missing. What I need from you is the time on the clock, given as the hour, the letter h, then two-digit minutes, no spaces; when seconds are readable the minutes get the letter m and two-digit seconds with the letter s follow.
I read 5h48
